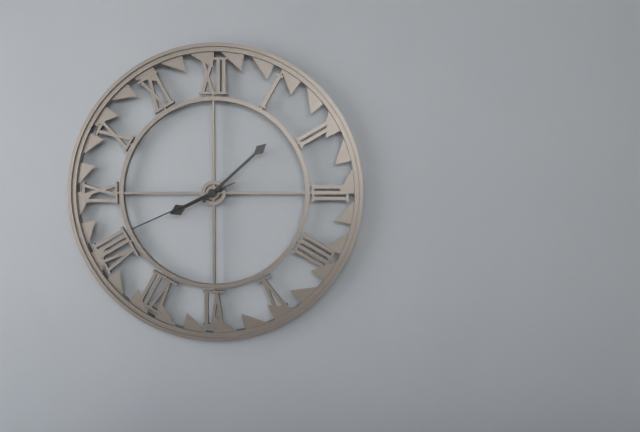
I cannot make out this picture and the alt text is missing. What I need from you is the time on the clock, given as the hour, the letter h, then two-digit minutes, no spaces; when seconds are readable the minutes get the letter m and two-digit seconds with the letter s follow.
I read 8h08m41s
